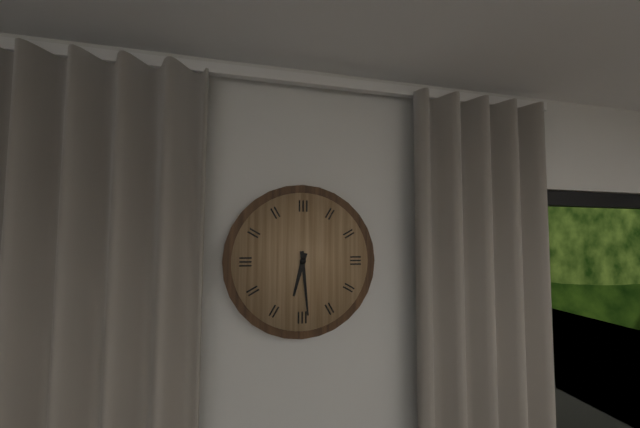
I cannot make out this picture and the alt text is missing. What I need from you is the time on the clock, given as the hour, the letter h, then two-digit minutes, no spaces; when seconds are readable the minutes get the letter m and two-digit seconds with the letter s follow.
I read 6h29
